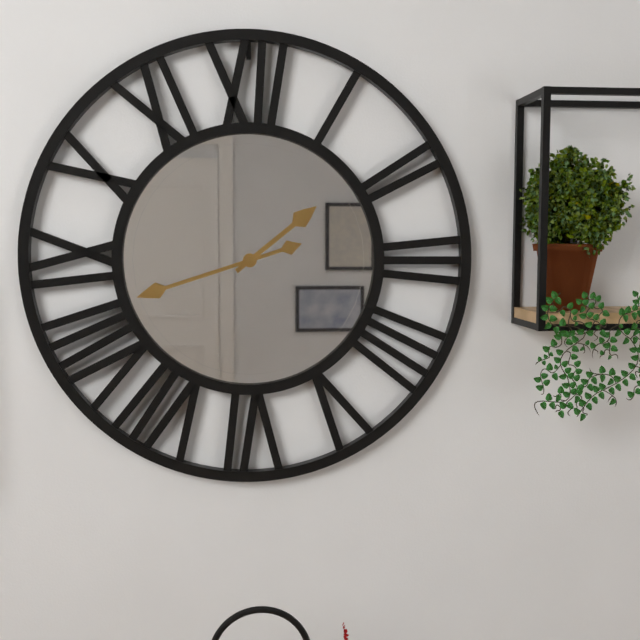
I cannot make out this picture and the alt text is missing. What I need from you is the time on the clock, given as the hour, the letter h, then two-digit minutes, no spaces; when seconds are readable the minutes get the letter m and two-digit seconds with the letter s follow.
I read 1h42
